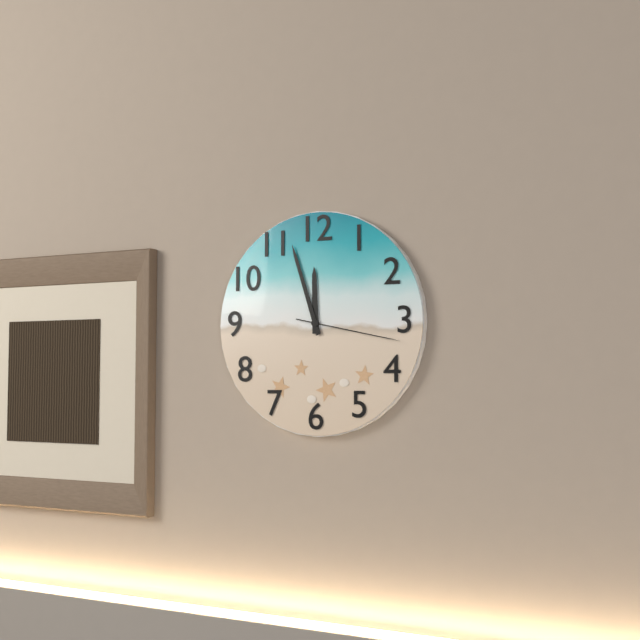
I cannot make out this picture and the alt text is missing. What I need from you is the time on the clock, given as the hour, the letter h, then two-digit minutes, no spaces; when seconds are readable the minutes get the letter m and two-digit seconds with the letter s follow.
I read 11h57m17s
